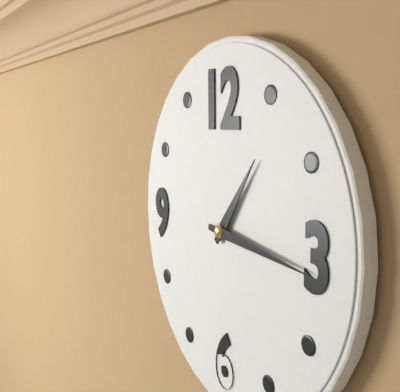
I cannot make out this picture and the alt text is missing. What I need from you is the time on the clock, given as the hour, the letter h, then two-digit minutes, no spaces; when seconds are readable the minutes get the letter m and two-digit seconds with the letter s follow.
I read 1h16
